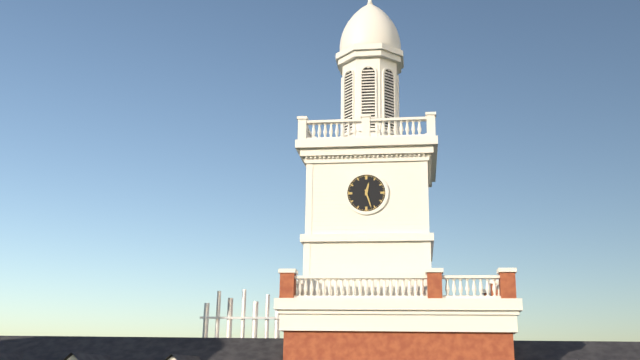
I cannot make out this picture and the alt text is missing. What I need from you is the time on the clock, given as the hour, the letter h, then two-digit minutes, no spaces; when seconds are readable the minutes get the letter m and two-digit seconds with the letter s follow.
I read 12h27
